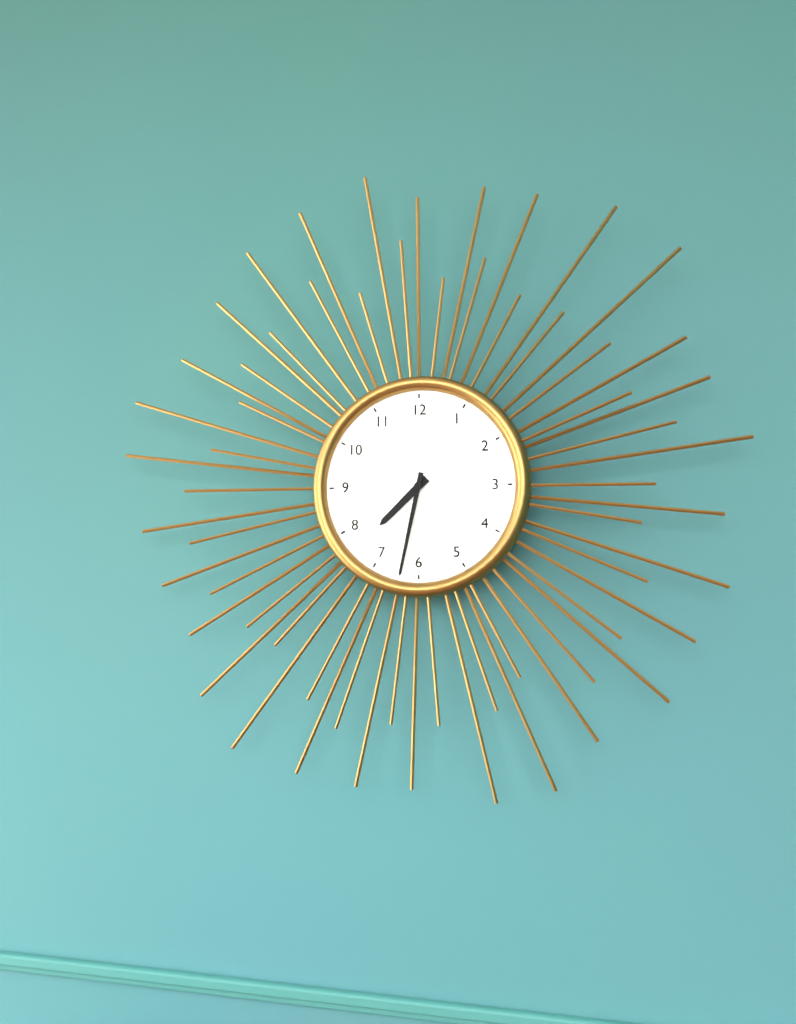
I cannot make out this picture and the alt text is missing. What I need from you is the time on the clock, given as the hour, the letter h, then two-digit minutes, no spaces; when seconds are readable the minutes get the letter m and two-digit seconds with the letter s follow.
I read 7h32
